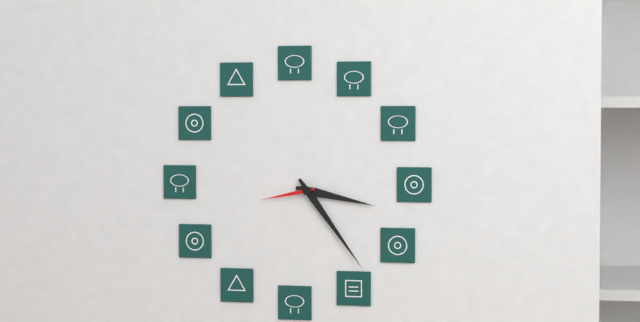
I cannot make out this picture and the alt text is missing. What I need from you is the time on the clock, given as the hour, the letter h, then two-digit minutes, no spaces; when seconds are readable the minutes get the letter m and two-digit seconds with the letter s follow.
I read 3h24m43s
